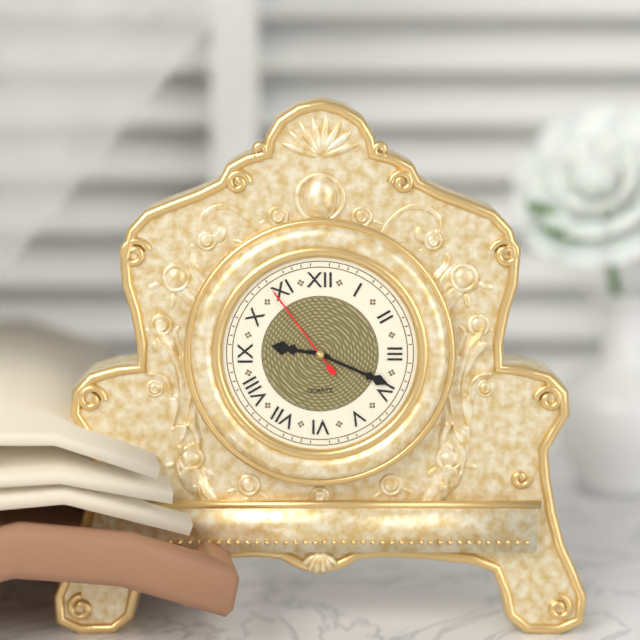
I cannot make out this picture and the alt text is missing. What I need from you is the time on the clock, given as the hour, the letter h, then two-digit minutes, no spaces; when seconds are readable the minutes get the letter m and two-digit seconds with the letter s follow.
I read 9h19m54s
